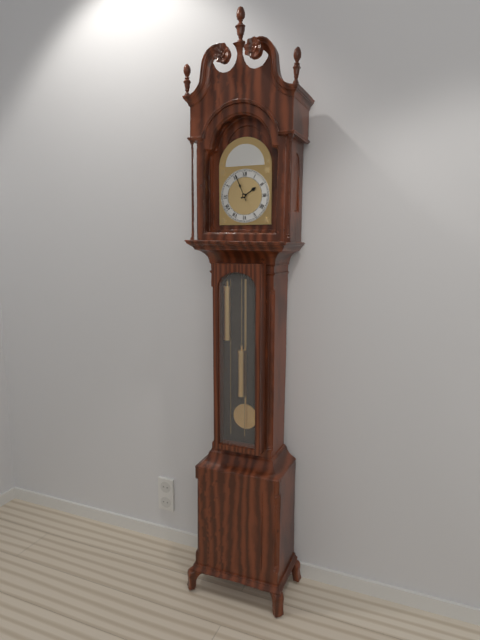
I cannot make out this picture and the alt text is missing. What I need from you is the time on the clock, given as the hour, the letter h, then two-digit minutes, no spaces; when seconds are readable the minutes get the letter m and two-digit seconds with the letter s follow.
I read 1h56
